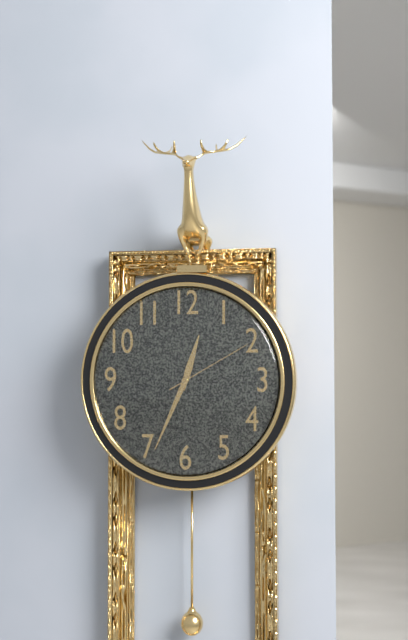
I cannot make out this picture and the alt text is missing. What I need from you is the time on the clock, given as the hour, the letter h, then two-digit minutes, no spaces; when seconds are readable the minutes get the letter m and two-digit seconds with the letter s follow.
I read 12h34m10s
